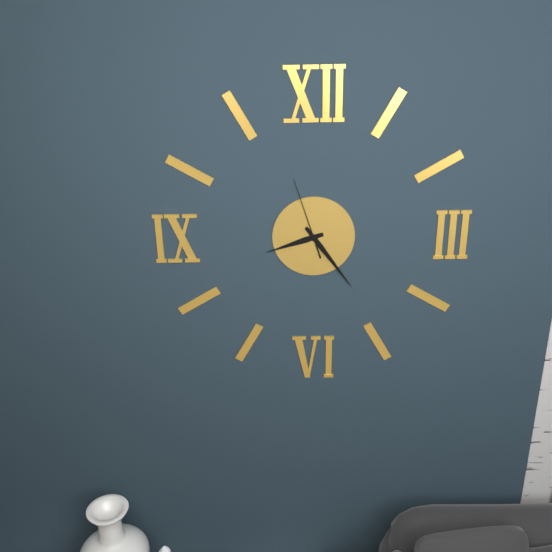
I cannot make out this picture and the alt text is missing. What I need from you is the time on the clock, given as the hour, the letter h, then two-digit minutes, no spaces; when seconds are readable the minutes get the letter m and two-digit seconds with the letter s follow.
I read 8h24m57s
